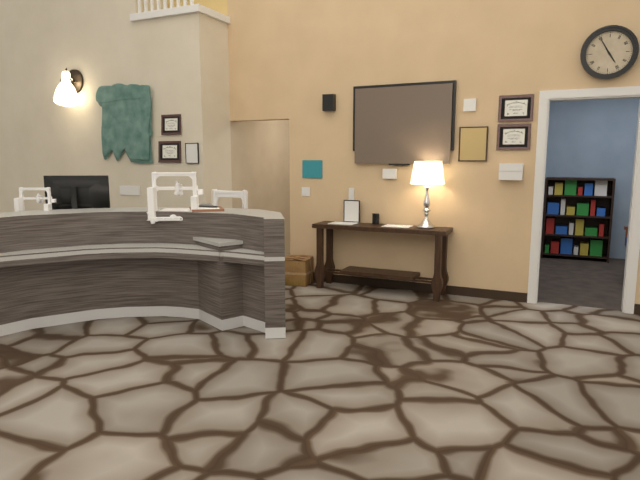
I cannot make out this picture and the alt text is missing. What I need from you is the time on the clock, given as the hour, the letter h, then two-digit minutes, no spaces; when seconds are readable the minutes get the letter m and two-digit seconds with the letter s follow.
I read 4h55
